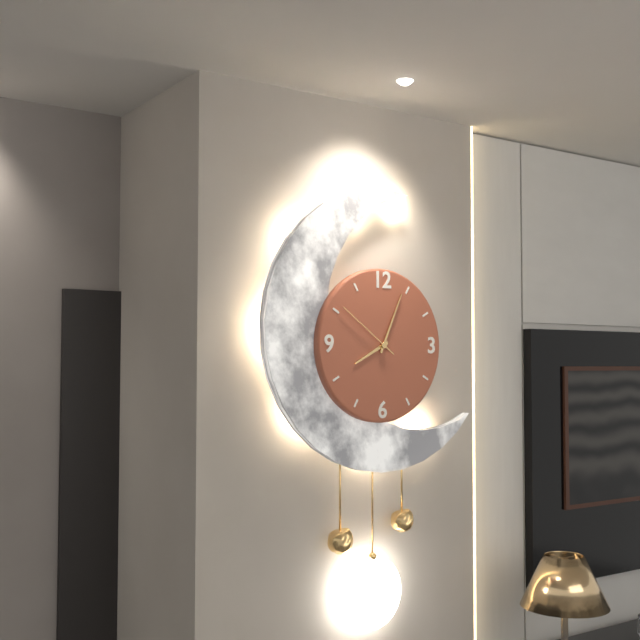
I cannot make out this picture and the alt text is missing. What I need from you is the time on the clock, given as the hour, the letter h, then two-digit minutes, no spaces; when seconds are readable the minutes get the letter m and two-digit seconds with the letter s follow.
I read 8h04m51s
